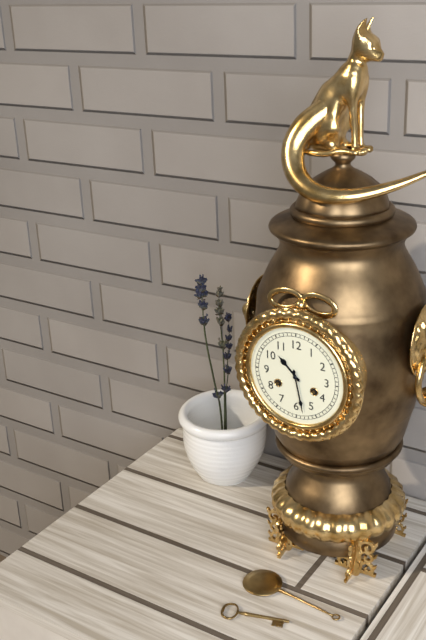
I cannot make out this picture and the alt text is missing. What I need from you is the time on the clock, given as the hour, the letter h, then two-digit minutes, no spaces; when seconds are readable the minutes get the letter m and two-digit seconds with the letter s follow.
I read 10h28
